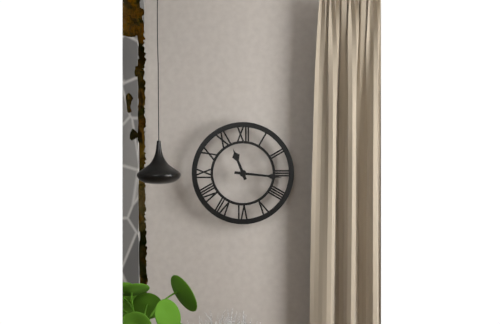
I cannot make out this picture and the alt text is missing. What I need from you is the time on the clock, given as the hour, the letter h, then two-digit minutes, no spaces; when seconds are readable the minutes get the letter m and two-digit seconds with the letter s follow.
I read 11h16
